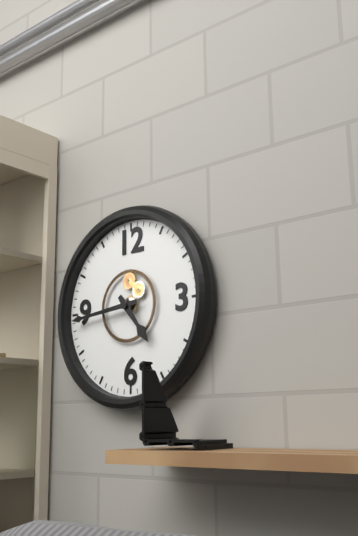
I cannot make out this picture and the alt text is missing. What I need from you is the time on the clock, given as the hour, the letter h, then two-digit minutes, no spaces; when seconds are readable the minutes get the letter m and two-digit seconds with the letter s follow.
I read 4h44
